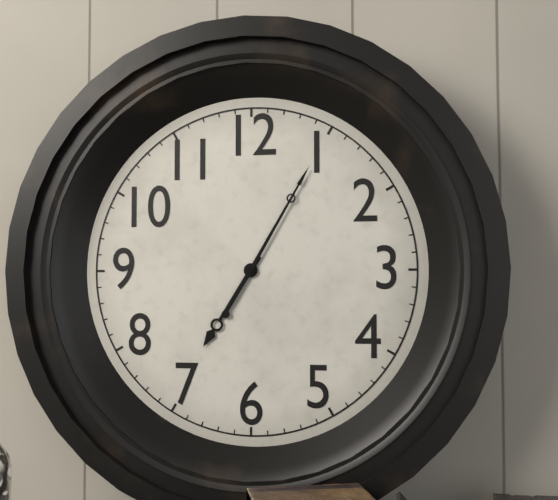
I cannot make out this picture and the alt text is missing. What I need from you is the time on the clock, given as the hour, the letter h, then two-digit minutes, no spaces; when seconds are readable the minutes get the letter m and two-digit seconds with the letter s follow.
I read 7h05
